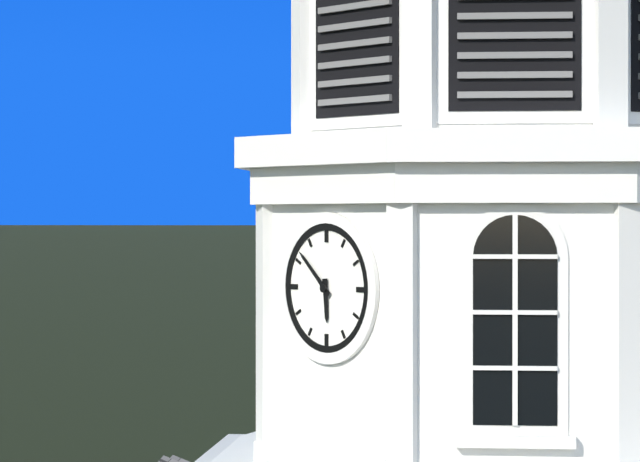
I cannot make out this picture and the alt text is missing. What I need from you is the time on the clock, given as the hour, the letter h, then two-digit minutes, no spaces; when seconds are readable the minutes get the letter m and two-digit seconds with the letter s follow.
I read 5h52
